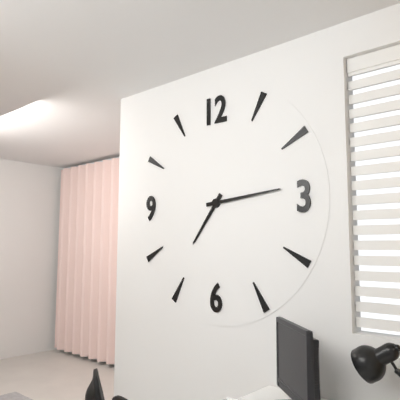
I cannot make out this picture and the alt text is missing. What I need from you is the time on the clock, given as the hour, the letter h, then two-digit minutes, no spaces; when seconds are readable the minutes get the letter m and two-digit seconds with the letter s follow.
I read 7h14
